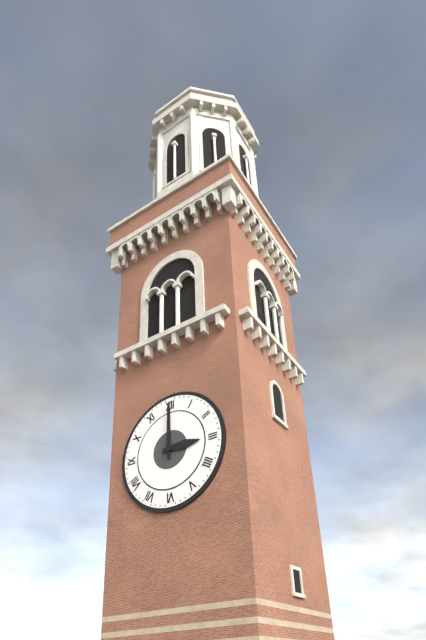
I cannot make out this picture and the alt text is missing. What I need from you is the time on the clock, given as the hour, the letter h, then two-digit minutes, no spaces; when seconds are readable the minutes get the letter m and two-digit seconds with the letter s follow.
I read 3h00
